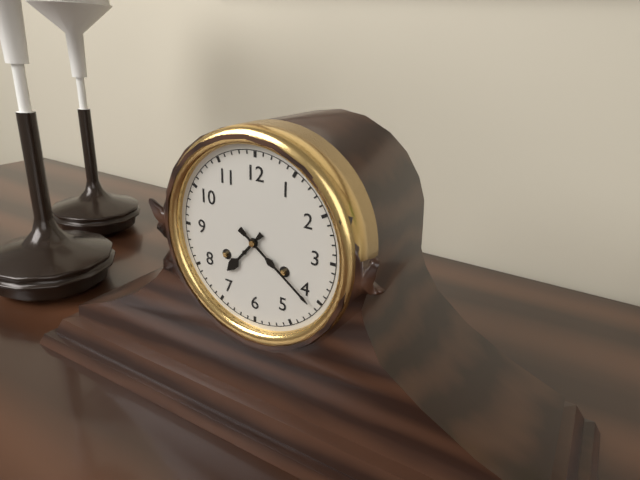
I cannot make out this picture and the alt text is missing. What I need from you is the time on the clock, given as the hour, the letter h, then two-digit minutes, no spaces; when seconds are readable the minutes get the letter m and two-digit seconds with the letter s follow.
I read 7h21
